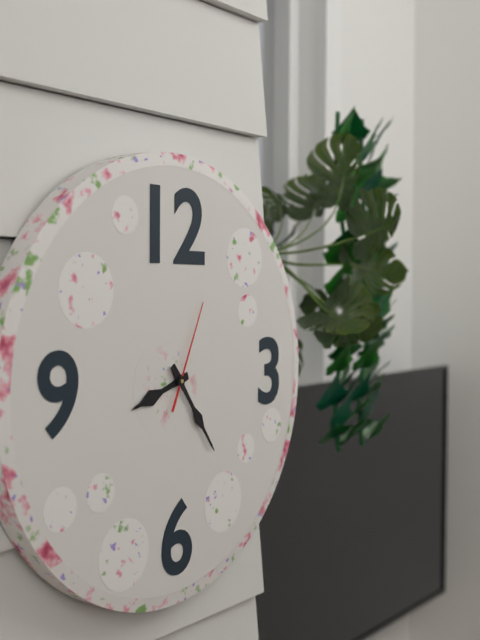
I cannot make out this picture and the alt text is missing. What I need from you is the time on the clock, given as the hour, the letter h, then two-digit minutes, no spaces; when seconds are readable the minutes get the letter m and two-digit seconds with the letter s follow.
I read 8h24m04s
